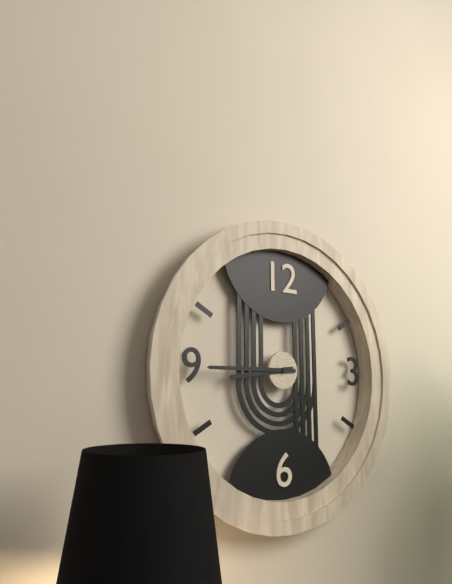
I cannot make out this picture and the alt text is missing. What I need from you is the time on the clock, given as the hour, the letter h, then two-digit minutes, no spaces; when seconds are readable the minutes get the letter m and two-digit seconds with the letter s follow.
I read 8h45
